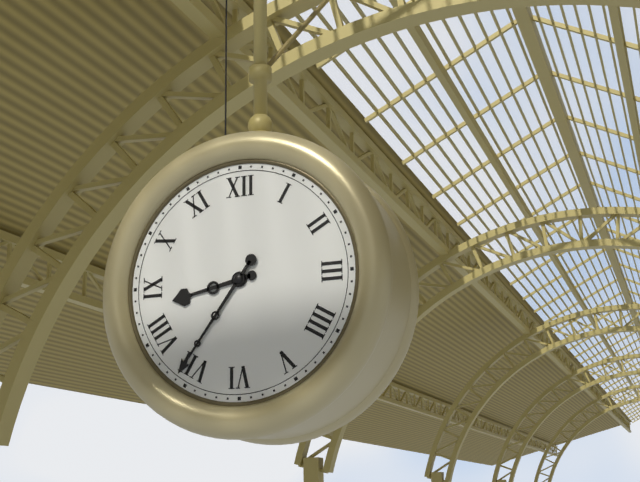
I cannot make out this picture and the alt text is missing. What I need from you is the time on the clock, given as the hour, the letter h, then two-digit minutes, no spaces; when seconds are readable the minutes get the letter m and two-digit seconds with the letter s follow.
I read 8h36
